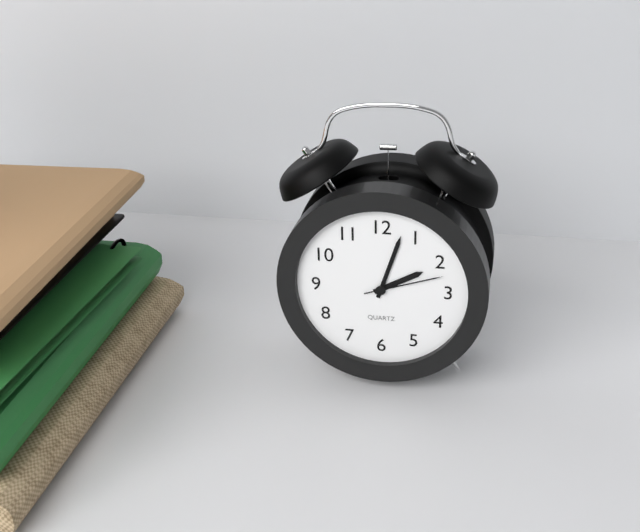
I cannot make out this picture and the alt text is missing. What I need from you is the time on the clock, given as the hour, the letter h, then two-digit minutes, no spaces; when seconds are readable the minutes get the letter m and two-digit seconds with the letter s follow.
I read 2h03m12s
